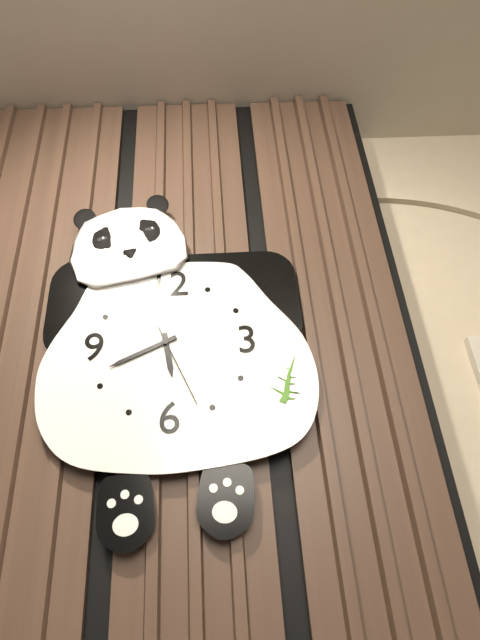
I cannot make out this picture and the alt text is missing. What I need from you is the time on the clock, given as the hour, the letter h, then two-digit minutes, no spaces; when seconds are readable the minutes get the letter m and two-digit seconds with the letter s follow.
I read 5h41m26s
